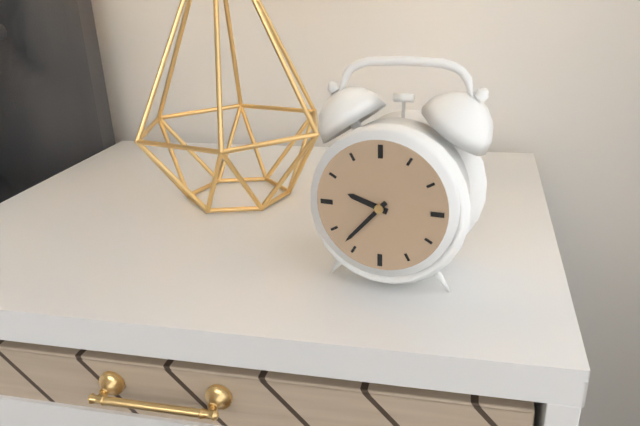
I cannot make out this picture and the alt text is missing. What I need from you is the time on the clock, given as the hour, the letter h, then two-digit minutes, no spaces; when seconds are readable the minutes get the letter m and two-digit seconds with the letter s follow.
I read 9h37
